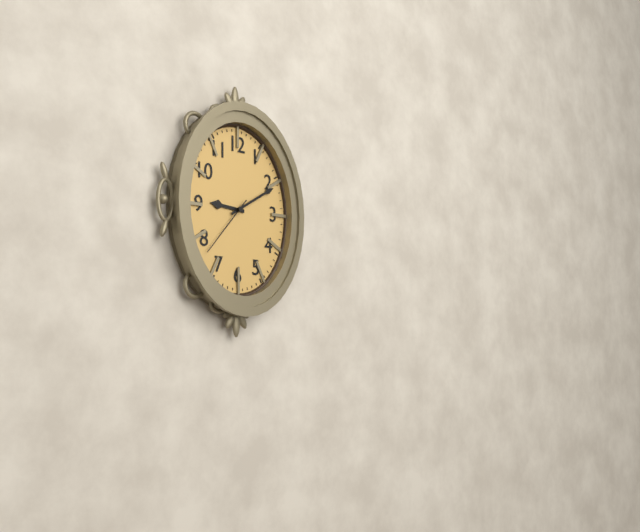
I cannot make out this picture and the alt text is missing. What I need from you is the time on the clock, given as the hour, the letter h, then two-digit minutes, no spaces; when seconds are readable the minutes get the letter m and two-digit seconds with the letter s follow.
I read 9h10m37s
